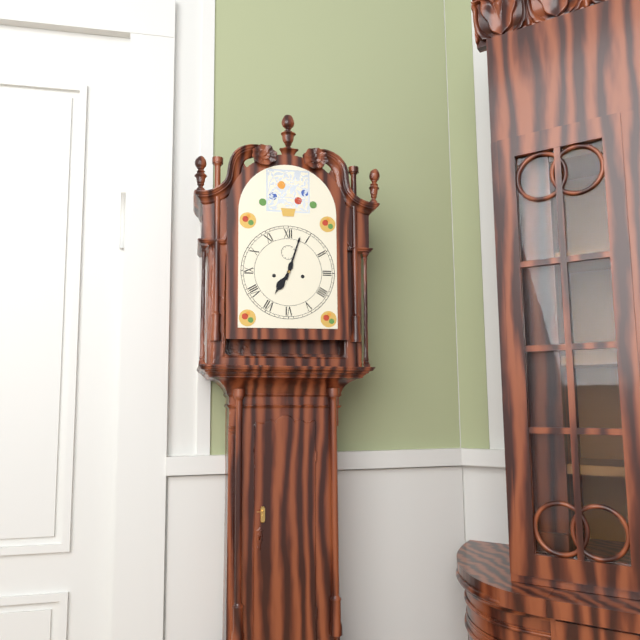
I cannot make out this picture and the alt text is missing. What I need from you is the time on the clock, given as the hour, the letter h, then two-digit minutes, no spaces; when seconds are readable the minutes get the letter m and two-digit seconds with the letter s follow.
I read 7h03
